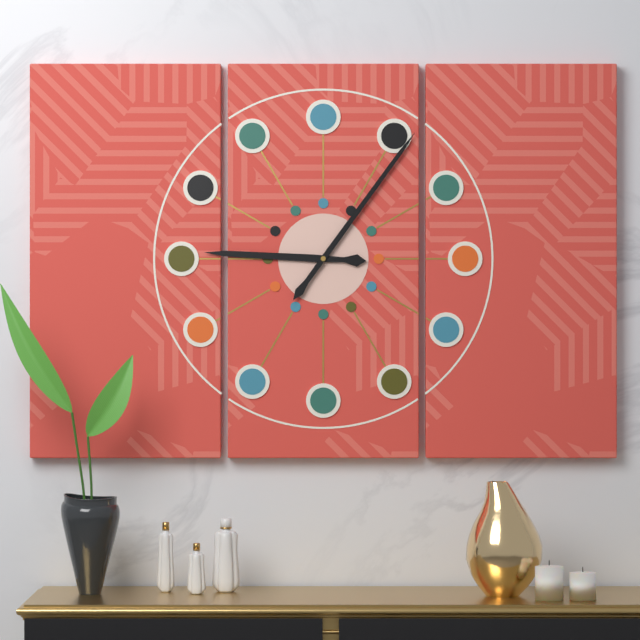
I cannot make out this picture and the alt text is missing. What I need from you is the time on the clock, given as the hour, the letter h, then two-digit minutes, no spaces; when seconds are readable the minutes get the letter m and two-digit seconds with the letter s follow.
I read 9h06
